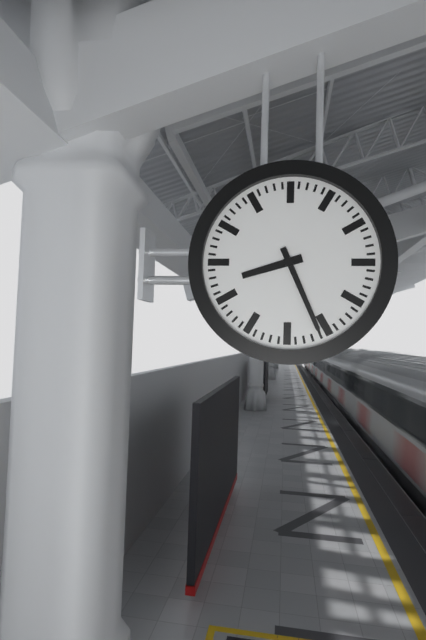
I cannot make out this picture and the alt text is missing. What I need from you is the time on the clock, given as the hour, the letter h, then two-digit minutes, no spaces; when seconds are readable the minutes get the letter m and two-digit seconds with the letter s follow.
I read 8h26
